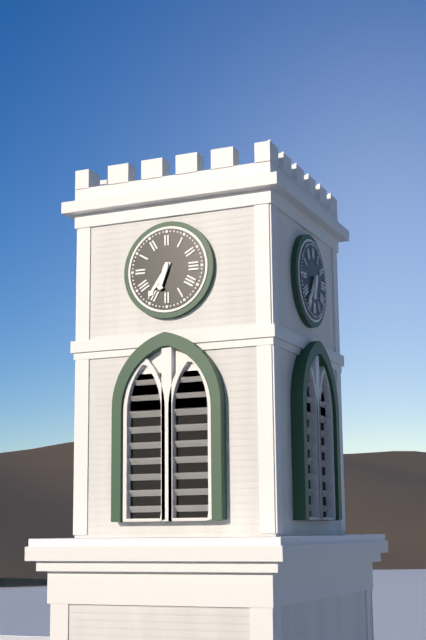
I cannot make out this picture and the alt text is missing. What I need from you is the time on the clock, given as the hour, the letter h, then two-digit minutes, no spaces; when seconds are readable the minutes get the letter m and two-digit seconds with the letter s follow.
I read 6h36
